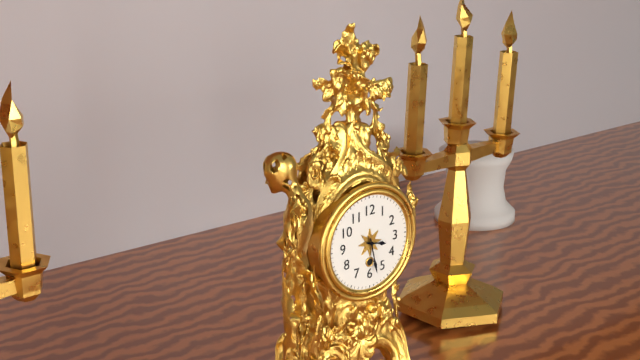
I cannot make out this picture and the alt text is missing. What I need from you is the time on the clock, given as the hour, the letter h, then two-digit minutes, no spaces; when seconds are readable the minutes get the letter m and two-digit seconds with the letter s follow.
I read 3h28
